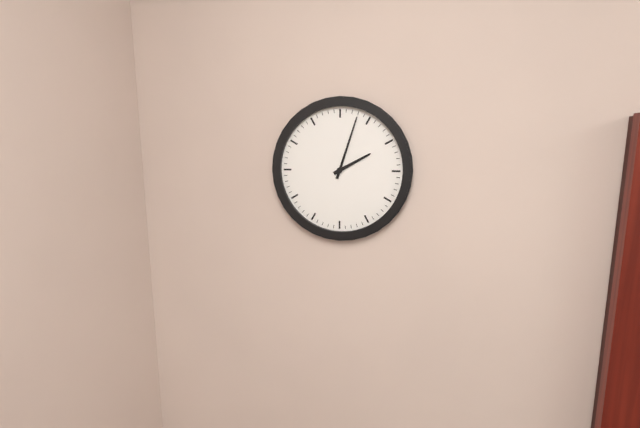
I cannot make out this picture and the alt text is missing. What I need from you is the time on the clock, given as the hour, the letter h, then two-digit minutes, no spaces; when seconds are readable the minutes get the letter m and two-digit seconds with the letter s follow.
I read 2h03
